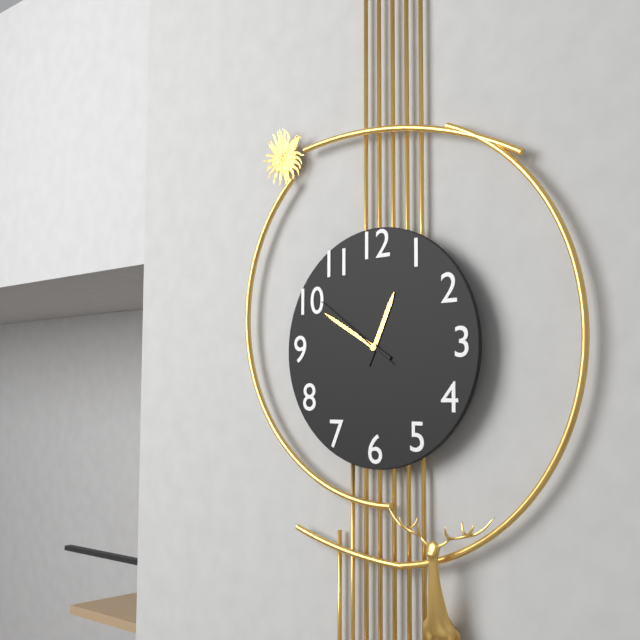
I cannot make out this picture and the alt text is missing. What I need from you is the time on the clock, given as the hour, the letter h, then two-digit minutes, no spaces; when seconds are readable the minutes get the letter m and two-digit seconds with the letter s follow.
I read 12h50m51s
